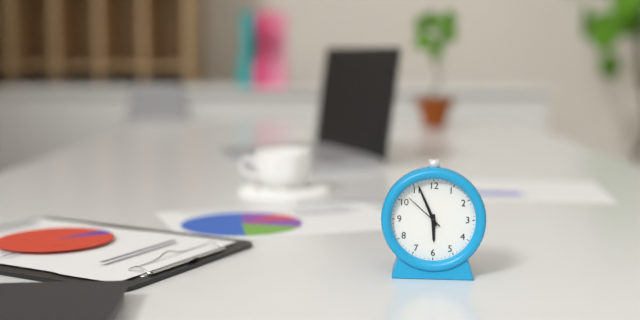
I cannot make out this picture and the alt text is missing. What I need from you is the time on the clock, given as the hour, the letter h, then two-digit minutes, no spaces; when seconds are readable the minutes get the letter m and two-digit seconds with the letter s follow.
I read 5h56
